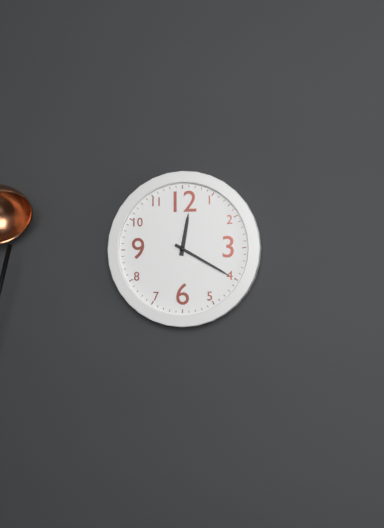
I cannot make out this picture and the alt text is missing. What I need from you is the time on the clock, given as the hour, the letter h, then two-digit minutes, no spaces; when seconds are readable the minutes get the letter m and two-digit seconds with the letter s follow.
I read 12h20
